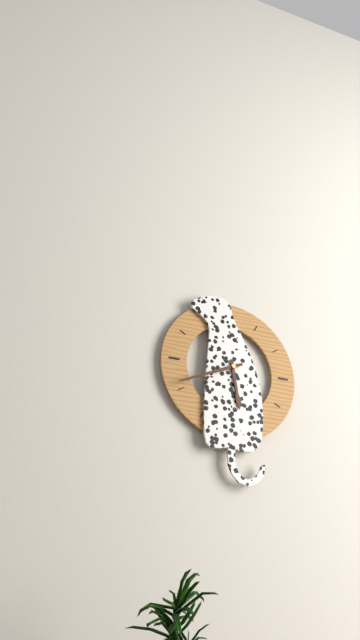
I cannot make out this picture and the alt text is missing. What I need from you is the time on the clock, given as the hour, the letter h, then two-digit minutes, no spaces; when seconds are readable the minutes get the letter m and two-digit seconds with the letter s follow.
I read 5h41
